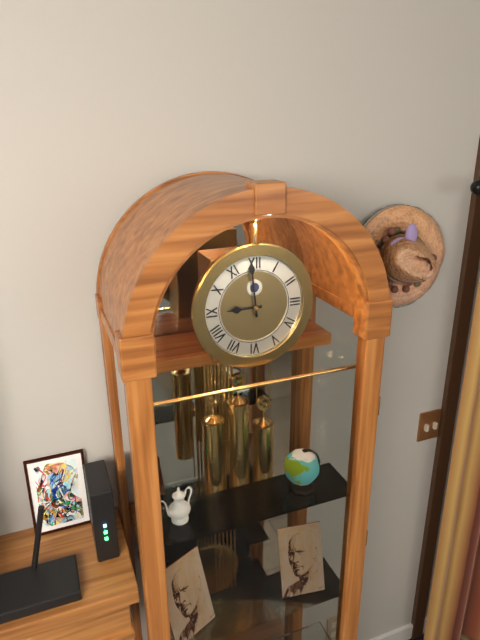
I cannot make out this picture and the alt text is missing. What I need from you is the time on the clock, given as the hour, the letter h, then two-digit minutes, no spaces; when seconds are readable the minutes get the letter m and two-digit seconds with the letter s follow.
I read 8h59
